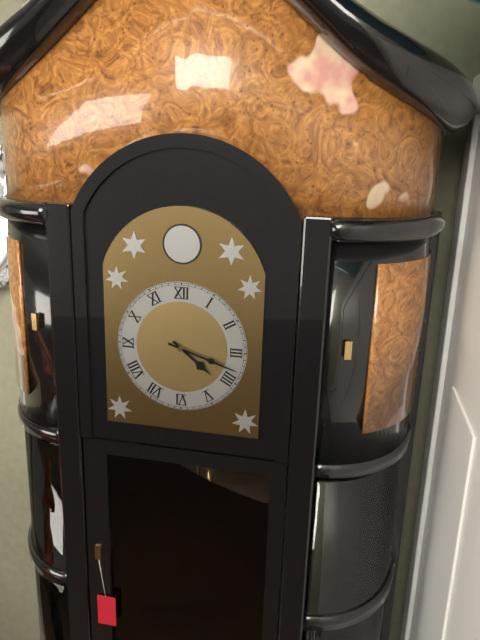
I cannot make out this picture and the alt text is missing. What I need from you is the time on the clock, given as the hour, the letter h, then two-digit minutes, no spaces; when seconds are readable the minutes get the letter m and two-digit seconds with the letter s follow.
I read 4h18
